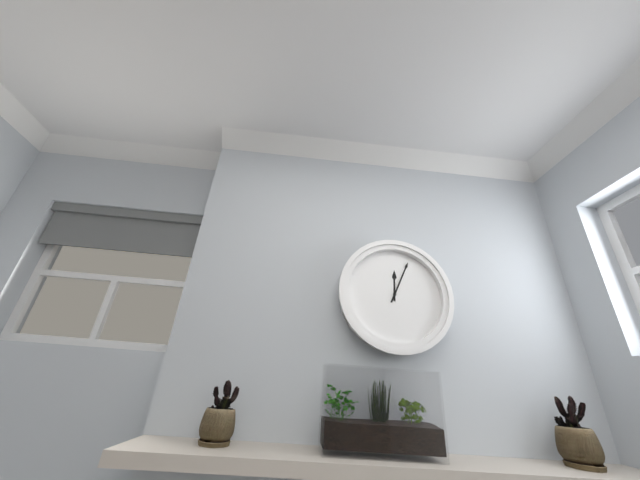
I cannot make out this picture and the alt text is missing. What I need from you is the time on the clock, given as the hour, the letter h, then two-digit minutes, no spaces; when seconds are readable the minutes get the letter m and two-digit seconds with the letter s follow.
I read 12h04
